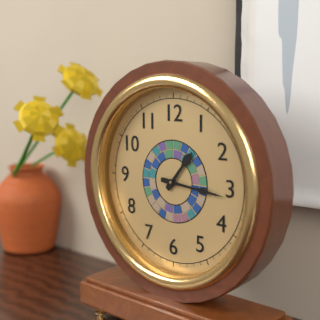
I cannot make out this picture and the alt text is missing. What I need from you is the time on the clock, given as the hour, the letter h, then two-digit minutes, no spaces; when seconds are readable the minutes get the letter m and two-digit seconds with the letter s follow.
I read 1h16
